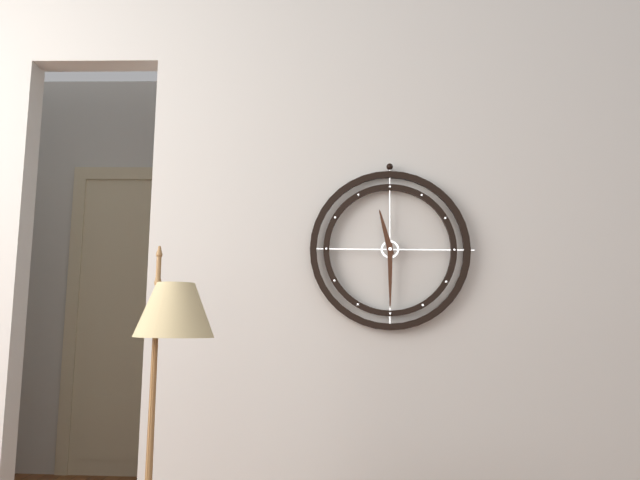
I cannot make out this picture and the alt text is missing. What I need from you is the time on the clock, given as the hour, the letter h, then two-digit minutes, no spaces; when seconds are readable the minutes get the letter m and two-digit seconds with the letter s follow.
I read 11h30
